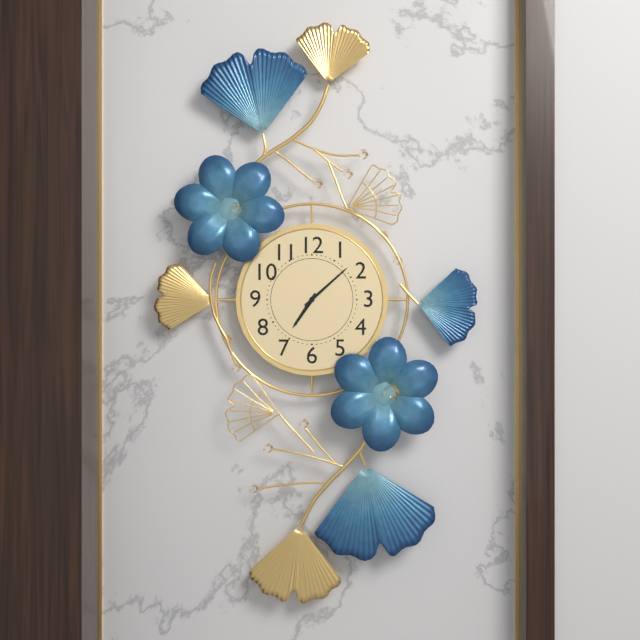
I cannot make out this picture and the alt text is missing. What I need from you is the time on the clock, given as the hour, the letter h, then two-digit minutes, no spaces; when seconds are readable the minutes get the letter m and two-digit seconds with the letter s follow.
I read 7h08
